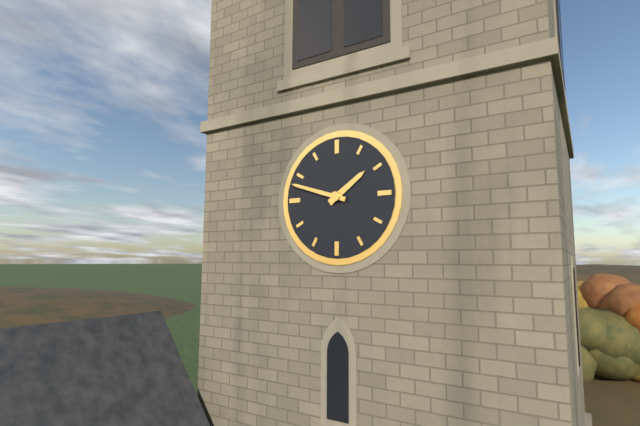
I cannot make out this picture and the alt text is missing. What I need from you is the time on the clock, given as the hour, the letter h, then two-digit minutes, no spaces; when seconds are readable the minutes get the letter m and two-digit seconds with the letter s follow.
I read 1h48
